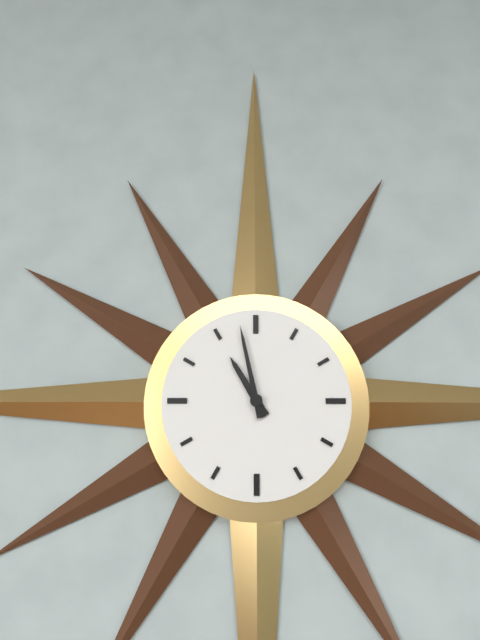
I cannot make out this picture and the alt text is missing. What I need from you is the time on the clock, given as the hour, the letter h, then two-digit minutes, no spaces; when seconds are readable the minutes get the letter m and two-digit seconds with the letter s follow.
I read 10h58
